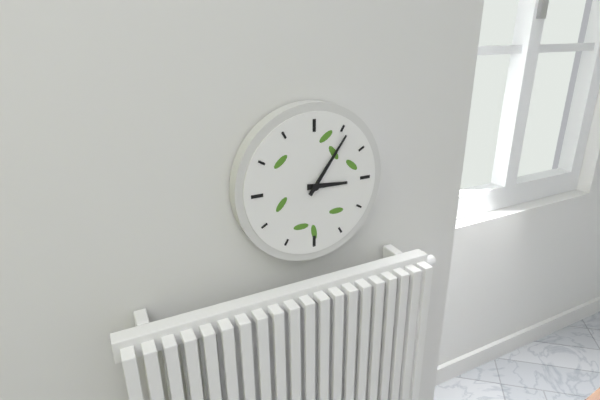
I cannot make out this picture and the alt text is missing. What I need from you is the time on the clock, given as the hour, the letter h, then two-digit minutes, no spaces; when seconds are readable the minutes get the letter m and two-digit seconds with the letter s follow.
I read 3h06
